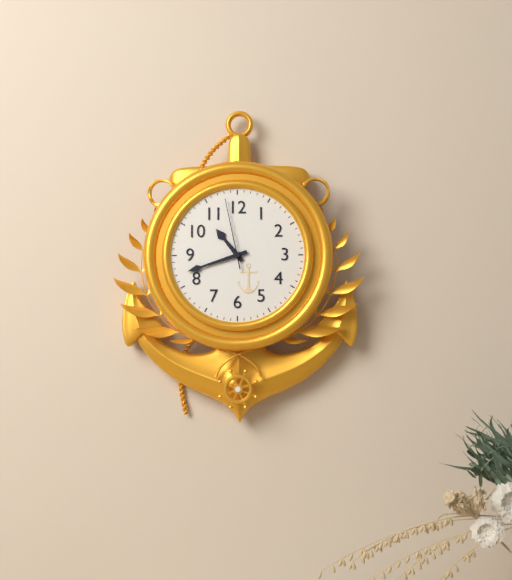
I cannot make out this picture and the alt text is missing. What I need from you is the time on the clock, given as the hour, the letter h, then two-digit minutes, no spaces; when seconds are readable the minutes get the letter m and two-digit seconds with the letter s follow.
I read 10h42m58s
